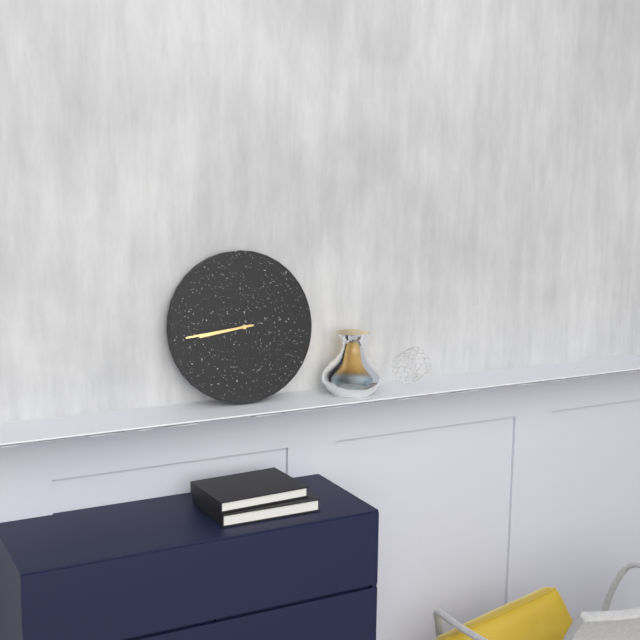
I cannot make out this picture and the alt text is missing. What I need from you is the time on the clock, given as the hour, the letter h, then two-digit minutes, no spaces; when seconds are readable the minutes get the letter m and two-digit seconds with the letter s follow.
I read 8h44
